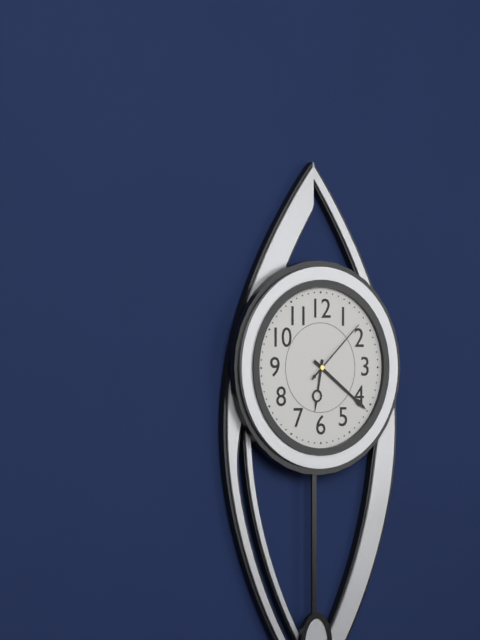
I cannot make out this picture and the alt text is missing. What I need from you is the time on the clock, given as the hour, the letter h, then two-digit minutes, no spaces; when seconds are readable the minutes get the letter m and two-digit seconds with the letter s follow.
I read 6h21m08s
